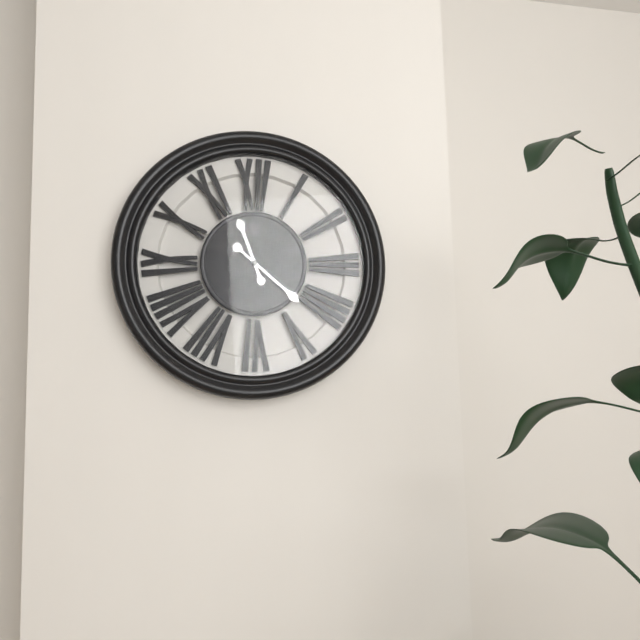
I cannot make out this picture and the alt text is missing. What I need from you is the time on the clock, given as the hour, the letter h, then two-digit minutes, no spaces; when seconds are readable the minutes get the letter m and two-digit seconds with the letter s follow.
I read 11h22
